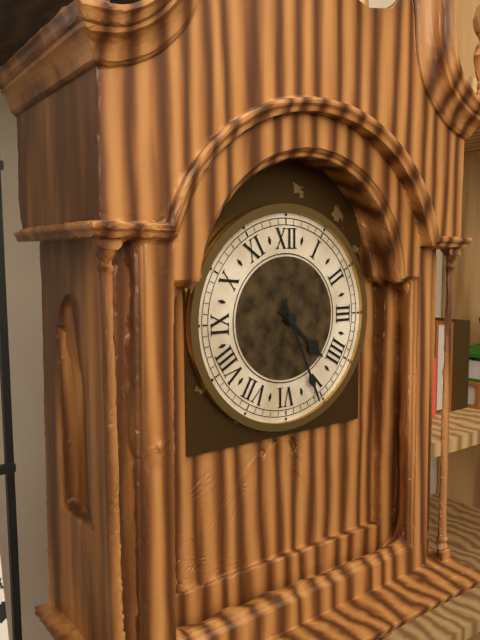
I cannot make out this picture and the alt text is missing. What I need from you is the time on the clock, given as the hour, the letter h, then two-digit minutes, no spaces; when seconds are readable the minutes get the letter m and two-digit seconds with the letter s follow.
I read 4h26
